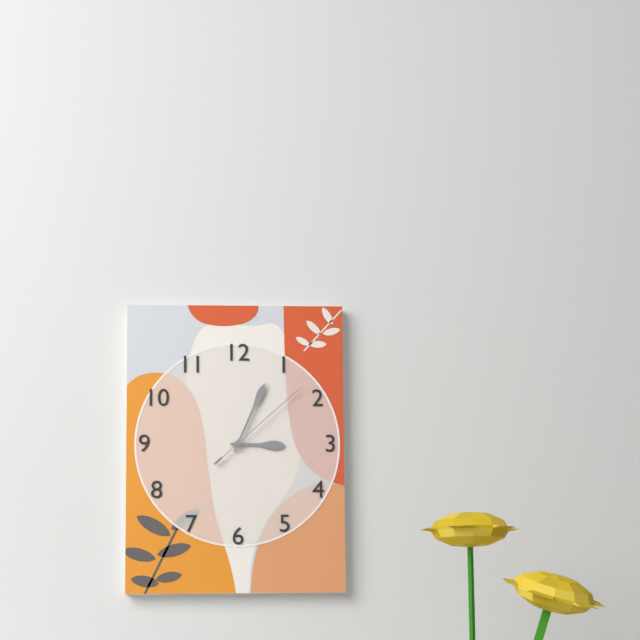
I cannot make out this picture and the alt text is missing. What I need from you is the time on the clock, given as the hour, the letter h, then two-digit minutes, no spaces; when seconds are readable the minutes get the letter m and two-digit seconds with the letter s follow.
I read 3h04m08s
